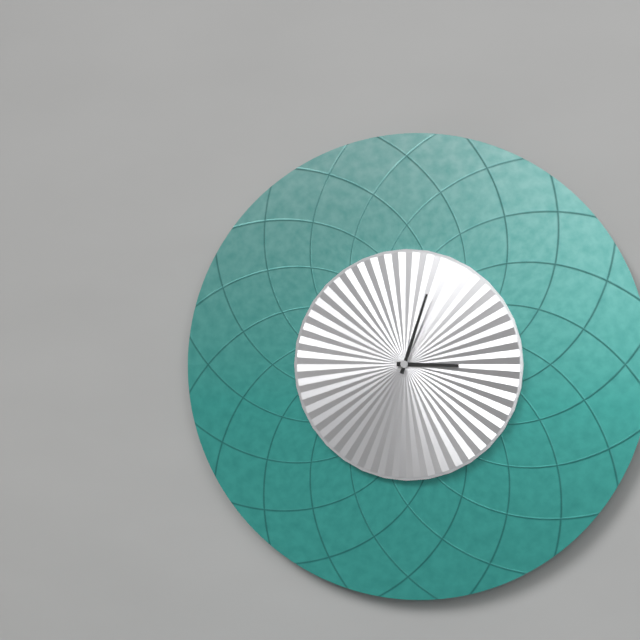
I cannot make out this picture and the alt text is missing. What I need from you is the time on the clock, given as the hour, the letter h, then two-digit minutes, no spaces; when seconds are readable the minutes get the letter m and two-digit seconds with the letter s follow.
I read 3h03
